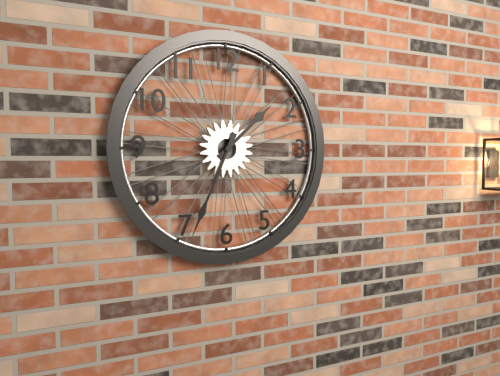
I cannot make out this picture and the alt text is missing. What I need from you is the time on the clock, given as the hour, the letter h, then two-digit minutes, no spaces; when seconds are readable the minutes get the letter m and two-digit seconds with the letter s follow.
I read 1h34
